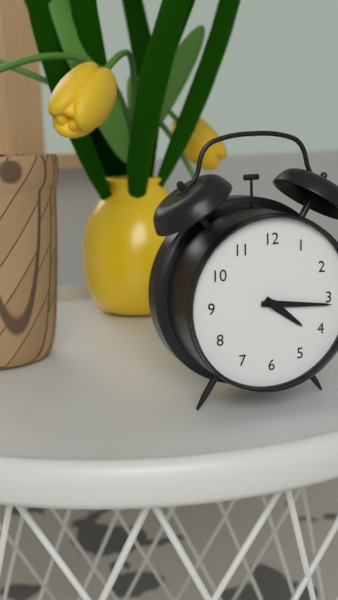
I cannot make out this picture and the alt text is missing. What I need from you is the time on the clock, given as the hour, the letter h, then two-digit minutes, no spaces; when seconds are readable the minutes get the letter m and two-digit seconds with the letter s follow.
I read 4h16
